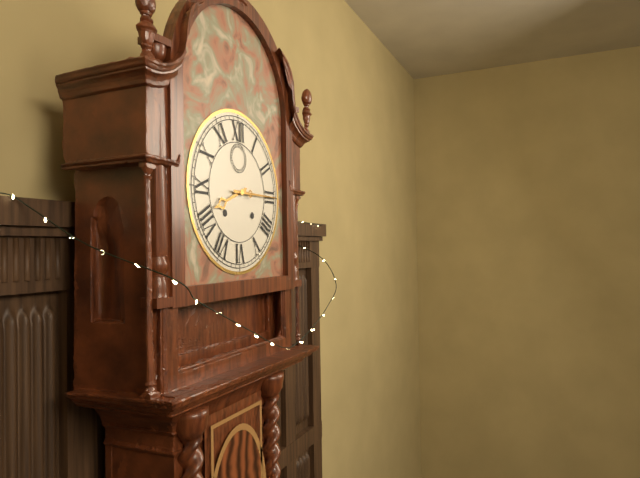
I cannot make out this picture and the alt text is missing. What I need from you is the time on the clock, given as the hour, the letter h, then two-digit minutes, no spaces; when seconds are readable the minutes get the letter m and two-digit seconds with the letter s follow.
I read 8h15
